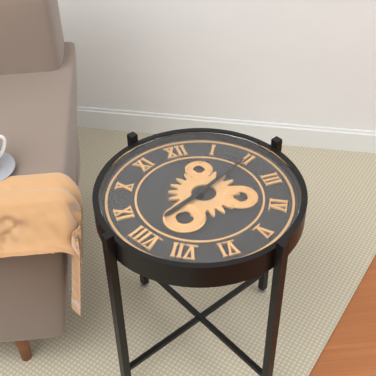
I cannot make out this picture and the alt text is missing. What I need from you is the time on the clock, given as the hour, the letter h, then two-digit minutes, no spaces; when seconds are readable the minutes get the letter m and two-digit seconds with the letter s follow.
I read 8h10
